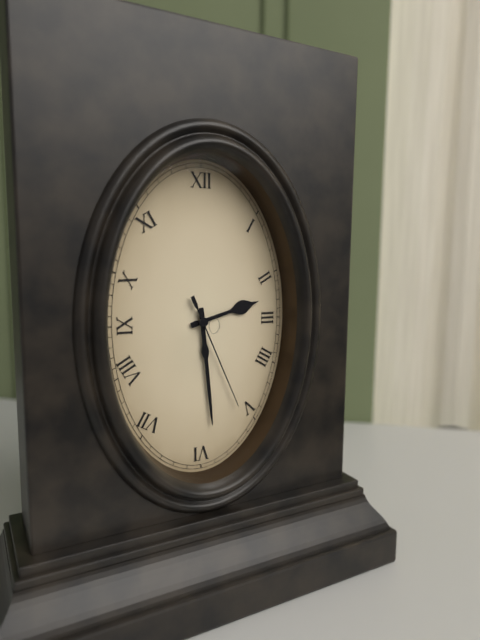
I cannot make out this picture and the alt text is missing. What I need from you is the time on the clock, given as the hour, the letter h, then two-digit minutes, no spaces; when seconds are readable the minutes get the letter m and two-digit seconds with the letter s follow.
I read 2h29m26s
